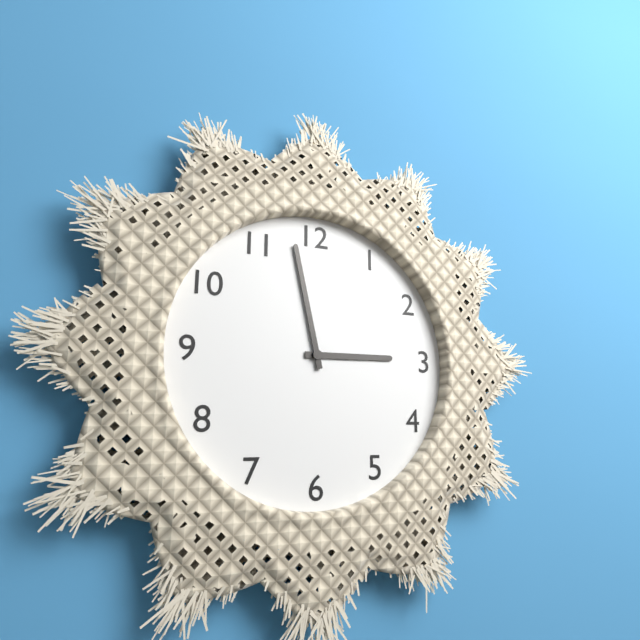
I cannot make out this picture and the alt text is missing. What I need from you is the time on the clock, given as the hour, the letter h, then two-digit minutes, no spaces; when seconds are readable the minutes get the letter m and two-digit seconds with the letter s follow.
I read 2h58
